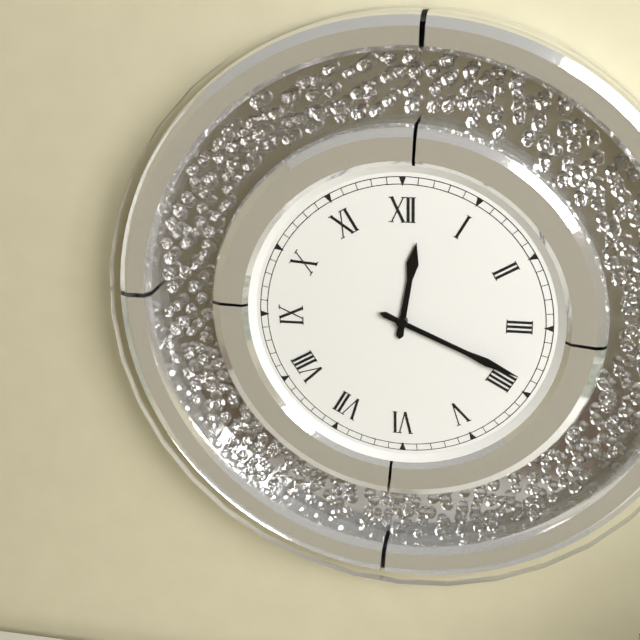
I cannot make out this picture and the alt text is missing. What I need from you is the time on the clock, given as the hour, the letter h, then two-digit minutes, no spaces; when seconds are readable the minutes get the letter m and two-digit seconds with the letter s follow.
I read 12h19
